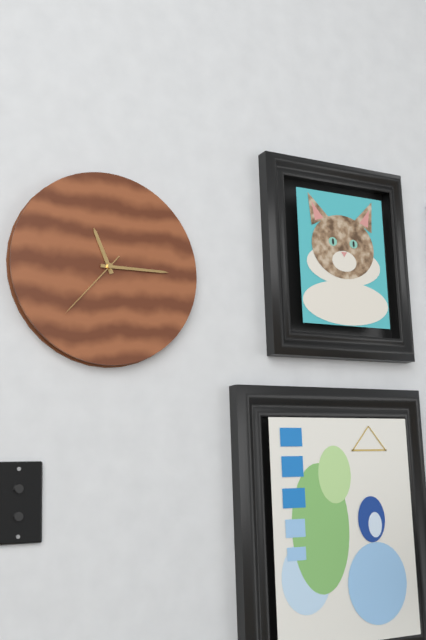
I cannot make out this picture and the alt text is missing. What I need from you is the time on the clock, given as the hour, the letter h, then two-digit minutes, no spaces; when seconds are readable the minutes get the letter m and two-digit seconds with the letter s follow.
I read 11h15m37s
